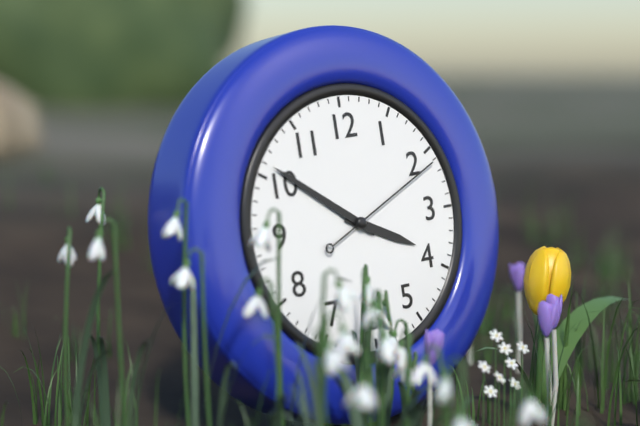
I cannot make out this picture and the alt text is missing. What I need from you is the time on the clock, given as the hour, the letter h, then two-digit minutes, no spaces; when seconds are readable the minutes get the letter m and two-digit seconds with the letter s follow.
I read 3h51m11s
